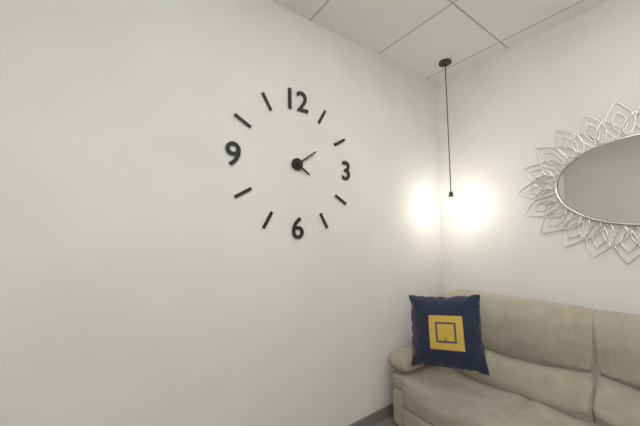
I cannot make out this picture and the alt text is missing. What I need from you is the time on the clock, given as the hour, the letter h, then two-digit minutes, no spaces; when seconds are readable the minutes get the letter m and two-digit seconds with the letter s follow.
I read 4h09
